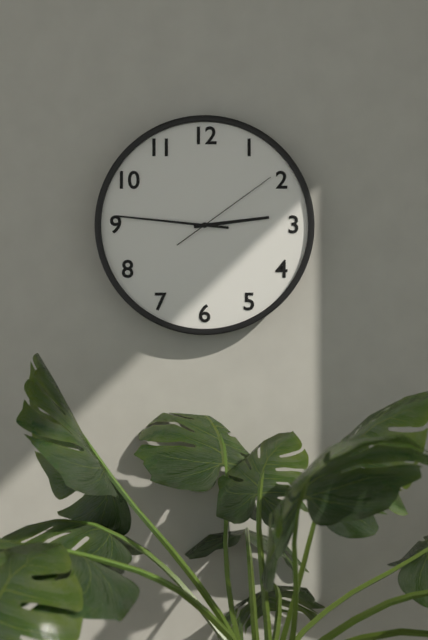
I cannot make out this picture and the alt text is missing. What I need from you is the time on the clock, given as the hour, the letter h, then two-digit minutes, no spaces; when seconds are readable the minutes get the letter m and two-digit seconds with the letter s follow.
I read 2h46m09s
